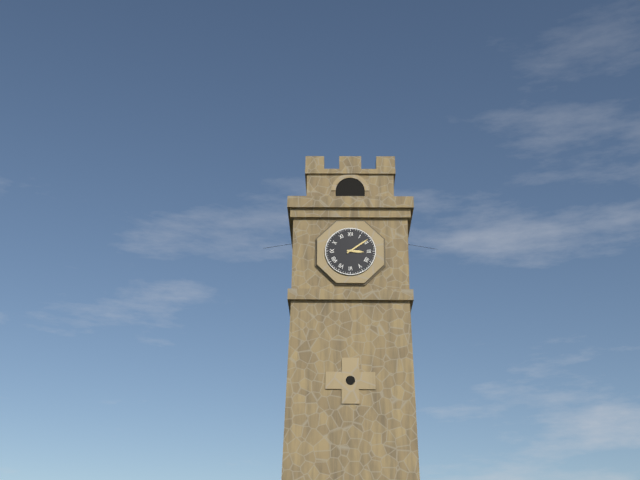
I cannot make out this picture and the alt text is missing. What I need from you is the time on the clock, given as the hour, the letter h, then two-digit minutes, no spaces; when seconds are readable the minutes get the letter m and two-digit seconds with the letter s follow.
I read 3h09
